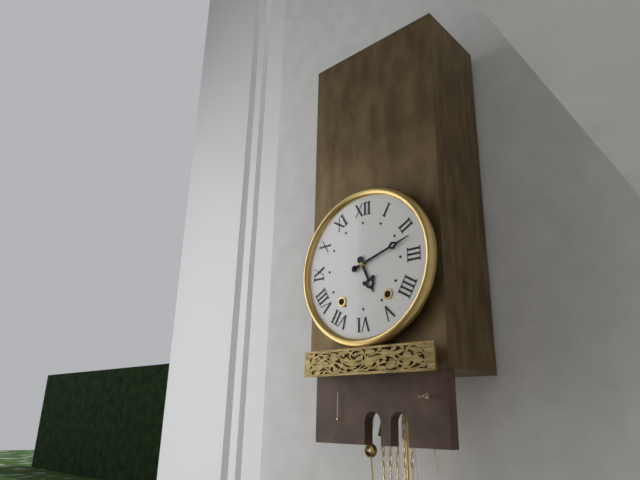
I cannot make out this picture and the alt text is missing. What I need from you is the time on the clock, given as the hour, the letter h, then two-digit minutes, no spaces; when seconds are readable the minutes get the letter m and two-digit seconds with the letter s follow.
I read 5h12
